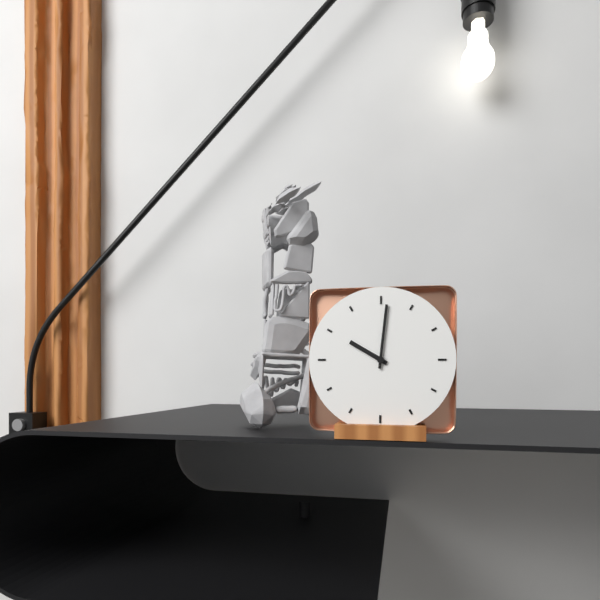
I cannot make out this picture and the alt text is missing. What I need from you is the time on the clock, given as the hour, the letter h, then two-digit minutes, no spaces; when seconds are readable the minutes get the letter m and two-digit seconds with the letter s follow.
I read 10h01
